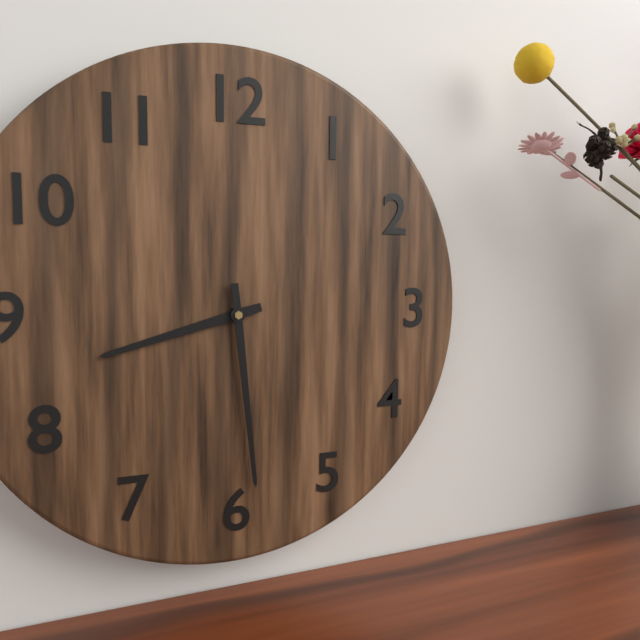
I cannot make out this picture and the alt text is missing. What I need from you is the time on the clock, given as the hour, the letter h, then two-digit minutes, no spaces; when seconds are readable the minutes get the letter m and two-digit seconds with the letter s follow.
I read 8h29
